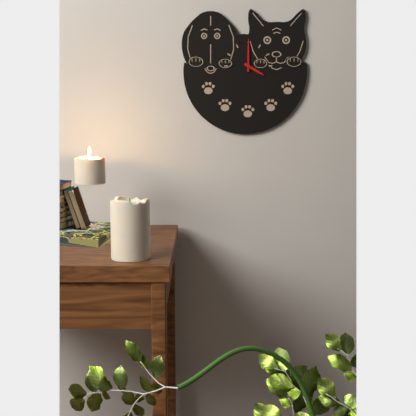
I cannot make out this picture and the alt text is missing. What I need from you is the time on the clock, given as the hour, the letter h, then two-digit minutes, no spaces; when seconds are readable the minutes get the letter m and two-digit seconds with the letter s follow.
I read 4h00
